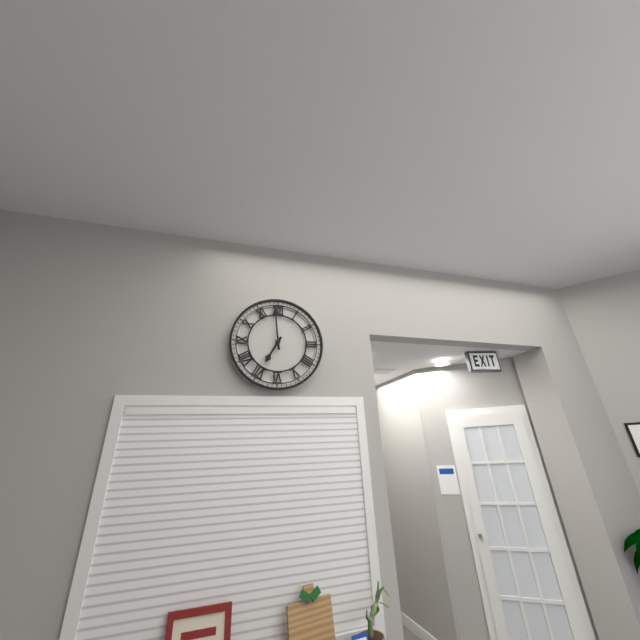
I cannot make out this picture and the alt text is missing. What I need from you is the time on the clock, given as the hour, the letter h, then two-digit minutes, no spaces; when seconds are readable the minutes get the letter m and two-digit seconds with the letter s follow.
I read 6h59
